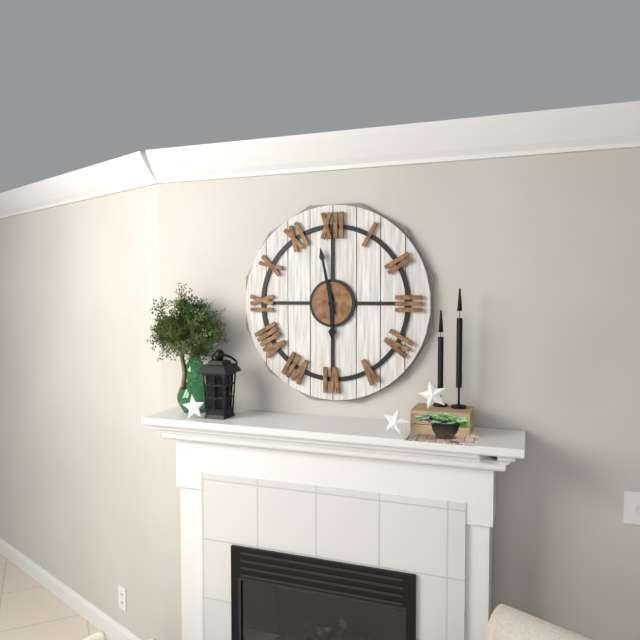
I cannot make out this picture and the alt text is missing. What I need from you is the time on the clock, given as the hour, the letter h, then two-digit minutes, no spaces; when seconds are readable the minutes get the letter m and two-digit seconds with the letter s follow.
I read 5h58
